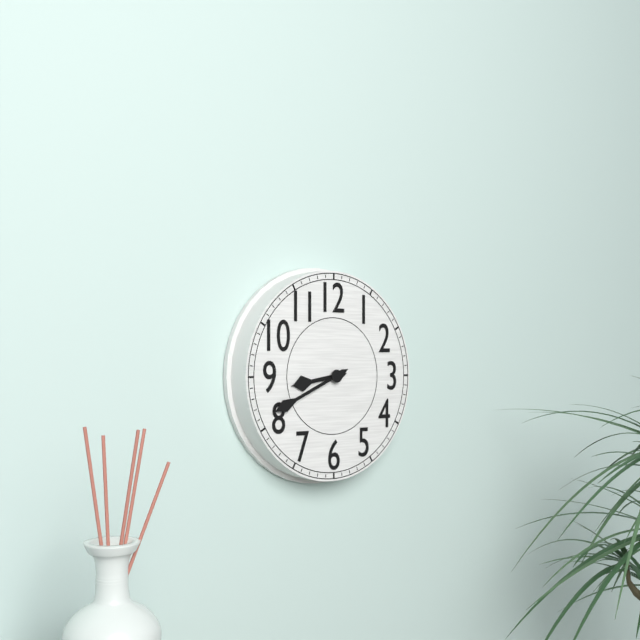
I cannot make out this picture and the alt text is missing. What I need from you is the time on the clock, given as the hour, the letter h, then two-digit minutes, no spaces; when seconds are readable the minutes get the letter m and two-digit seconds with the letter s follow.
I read 8h41
